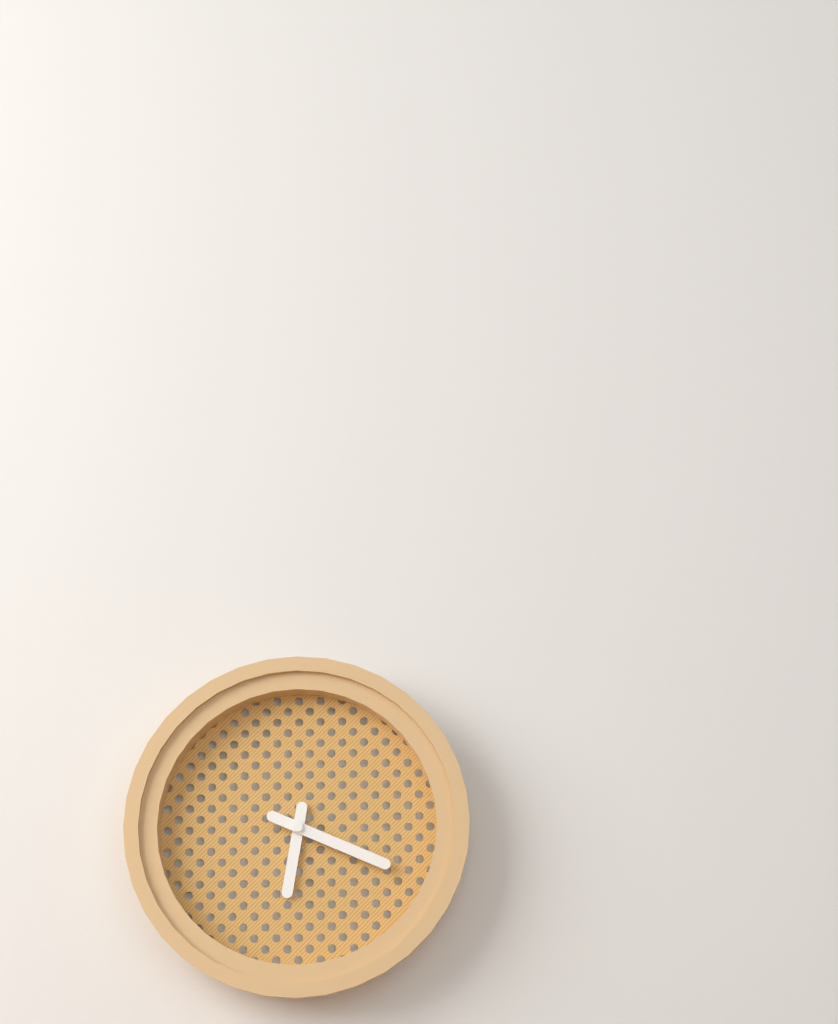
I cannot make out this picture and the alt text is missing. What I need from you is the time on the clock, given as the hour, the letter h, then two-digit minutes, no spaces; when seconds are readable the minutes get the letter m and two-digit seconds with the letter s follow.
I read 6h19
